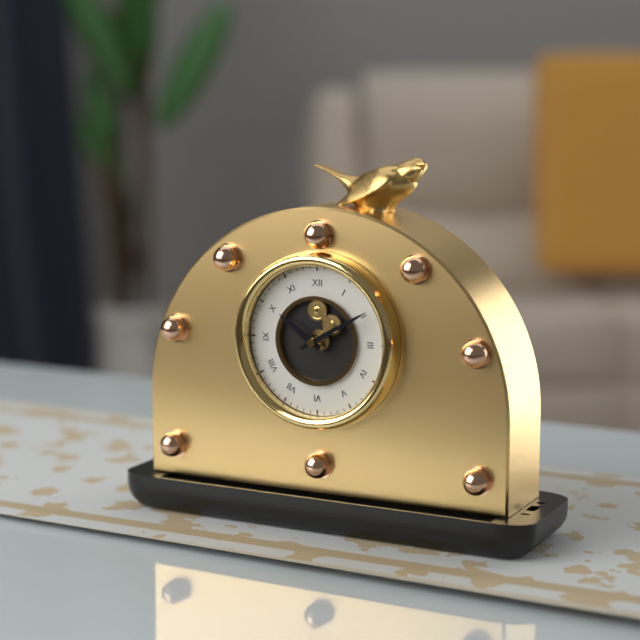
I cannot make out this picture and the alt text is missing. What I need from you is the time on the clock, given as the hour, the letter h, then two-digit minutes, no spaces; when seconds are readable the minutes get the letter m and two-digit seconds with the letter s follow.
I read 10h10
